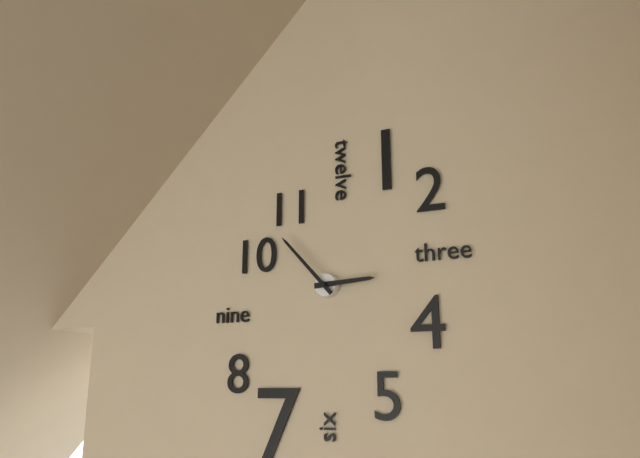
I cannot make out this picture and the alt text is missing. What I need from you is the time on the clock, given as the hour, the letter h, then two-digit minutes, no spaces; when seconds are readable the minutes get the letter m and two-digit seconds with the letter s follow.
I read 2h53
